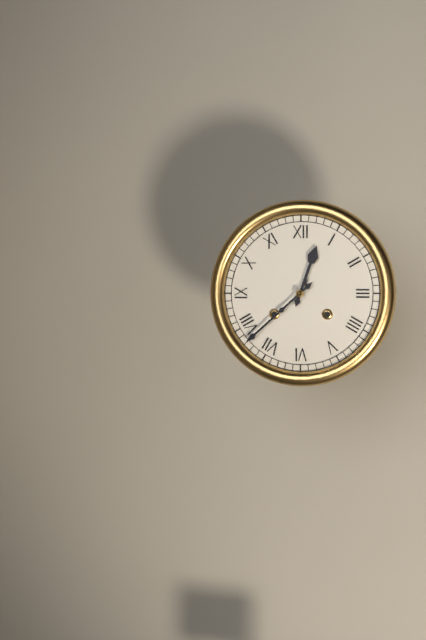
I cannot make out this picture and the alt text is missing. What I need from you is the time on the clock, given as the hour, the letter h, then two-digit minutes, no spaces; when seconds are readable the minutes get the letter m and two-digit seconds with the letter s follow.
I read 12h38
